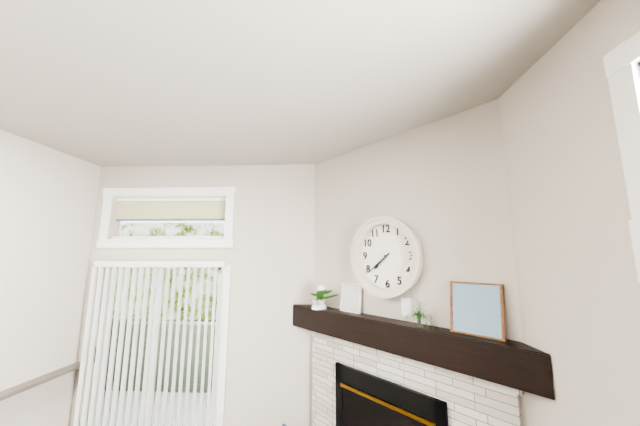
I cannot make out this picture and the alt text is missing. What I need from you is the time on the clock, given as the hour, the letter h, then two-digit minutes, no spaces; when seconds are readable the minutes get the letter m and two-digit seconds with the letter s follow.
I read 7h39
